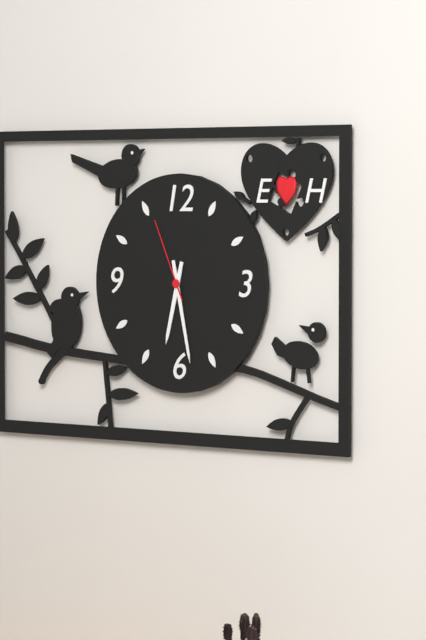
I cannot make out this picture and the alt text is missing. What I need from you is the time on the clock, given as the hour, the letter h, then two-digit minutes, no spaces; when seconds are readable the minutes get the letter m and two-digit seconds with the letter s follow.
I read 6h28m56s
